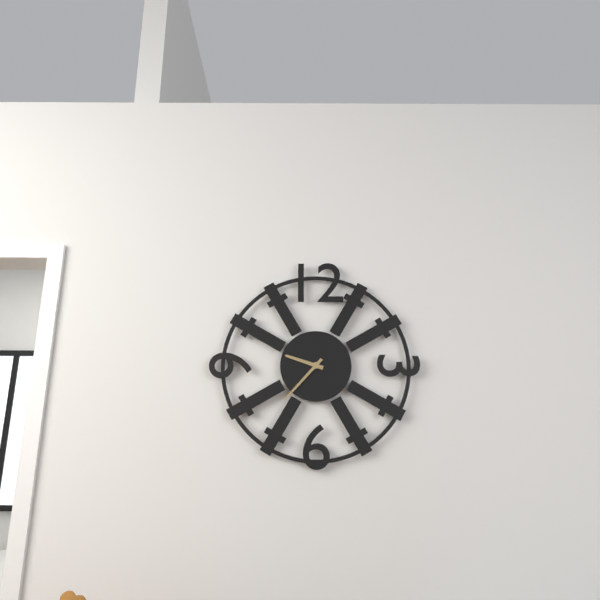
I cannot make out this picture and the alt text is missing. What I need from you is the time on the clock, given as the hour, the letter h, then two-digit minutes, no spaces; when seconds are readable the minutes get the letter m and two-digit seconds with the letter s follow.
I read 9h37
